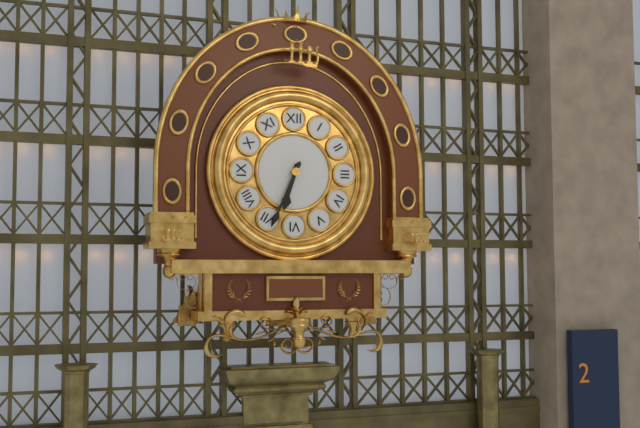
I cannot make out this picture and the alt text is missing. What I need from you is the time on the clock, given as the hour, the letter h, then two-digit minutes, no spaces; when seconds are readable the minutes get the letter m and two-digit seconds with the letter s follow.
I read 6h34
